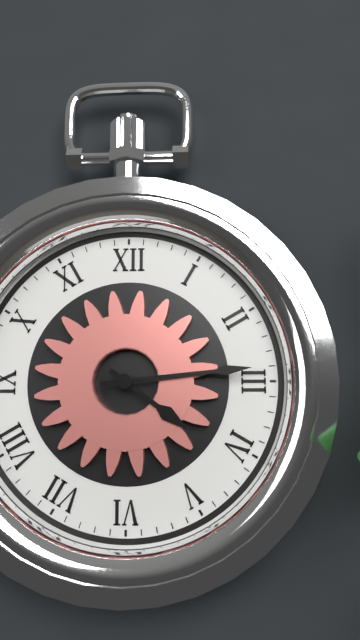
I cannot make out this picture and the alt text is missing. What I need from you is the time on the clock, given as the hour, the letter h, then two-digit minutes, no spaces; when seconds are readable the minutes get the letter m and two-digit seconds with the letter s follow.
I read 4h14
